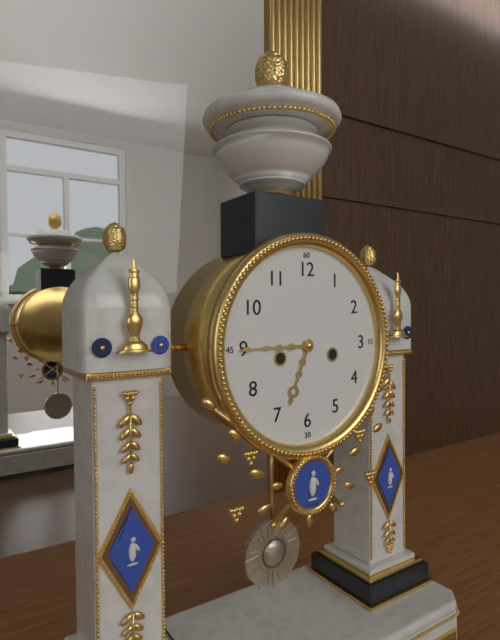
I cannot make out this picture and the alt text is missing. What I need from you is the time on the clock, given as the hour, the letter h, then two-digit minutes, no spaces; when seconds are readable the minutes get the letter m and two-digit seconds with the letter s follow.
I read 6h45
